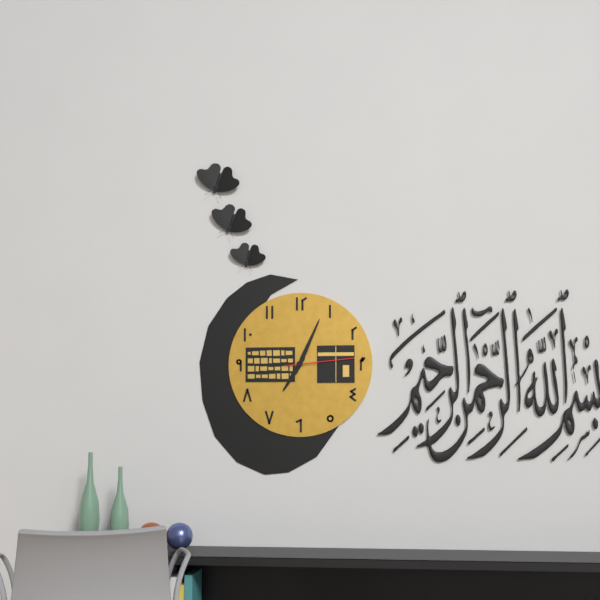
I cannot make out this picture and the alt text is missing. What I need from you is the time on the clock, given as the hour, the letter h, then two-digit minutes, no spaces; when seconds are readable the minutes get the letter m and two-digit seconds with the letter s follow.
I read 7h04m14s
